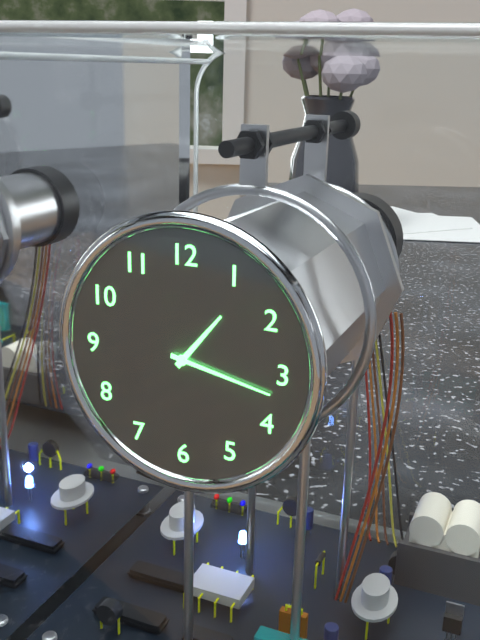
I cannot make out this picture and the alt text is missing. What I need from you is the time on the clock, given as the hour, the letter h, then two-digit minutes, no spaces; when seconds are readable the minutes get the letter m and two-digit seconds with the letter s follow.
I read 1h17
